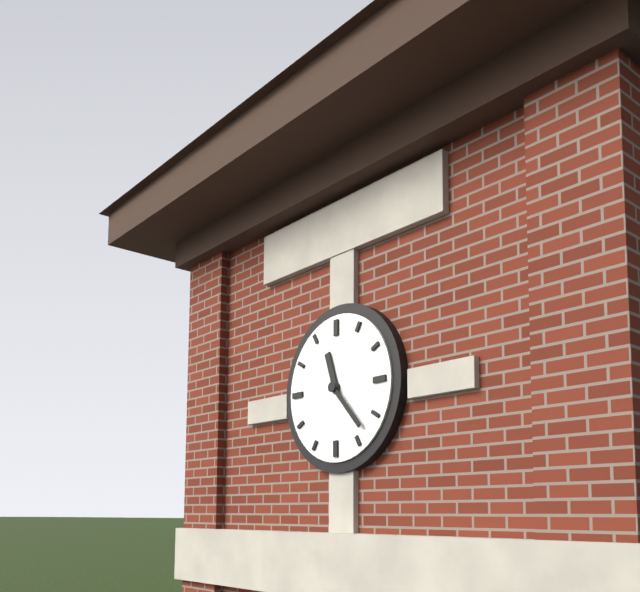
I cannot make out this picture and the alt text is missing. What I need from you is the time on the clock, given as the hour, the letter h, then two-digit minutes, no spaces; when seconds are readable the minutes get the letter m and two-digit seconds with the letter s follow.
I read 11h23
